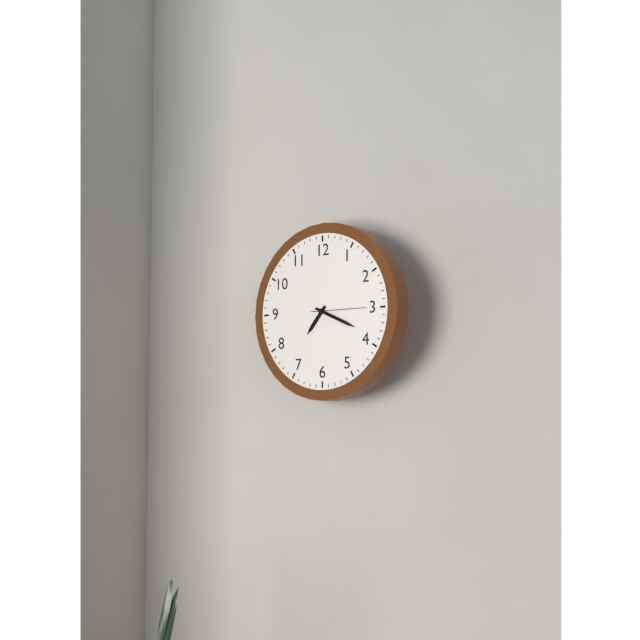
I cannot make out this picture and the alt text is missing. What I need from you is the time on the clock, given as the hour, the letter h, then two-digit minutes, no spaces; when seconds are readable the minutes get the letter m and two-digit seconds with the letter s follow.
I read 7h19
